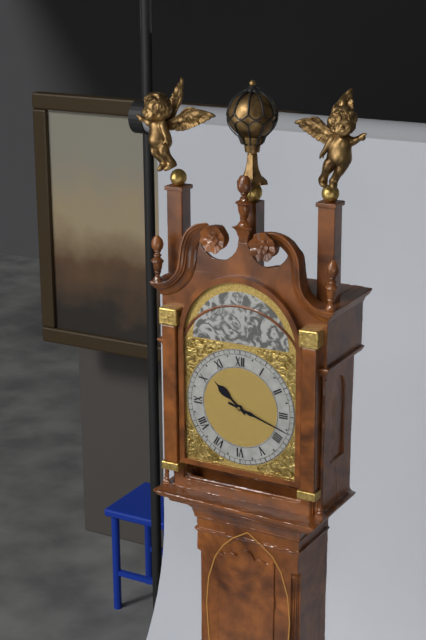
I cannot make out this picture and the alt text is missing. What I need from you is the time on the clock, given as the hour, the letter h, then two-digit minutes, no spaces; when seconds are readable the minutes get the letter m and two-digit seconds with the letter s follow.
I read 10h18
